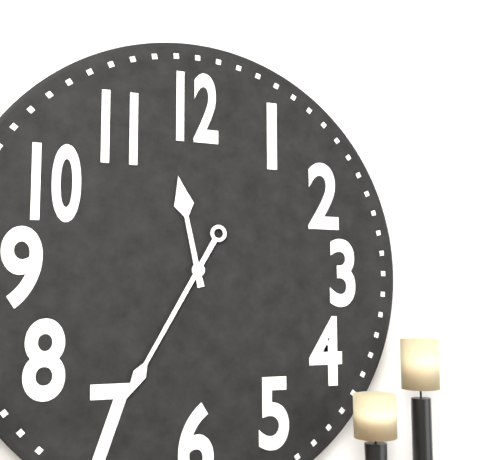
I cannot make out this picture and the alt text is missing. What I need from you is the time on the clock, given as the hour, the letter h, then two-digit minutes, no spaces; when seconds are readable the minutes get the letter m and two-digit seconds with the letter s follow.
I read 11h35
